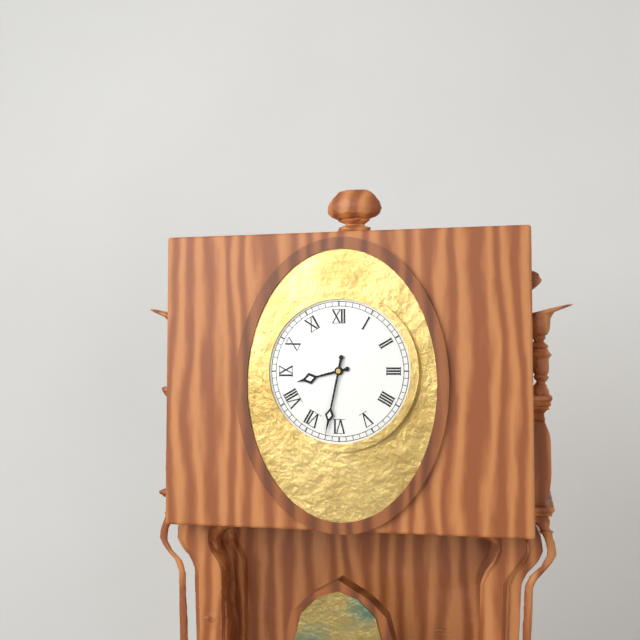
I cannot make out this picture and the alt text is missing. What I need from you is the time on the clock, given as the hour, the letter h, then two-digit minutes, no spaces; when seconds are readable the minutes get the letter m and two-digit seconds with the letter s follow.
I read 8h32
